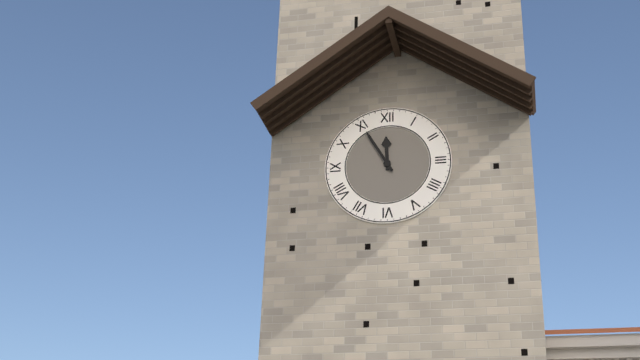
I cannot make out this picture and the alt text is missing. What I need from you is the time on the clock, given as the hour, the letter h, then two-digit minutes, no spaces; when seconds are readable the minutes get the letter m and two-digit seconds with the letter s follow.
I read 11h55
